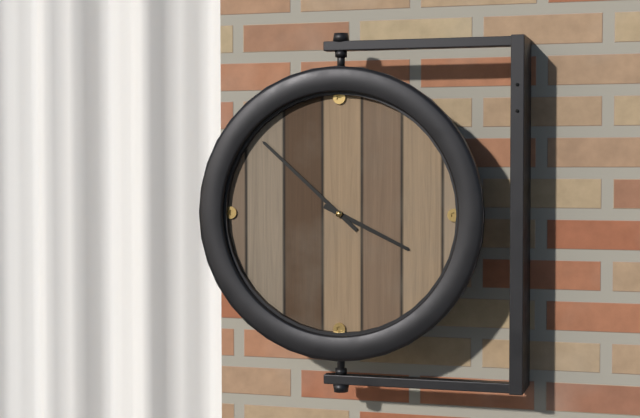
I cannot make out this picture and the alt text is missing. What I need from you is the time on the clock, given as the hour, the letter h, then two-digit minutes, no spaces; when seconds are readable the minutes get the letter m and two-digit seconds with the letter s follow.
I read 3h52
